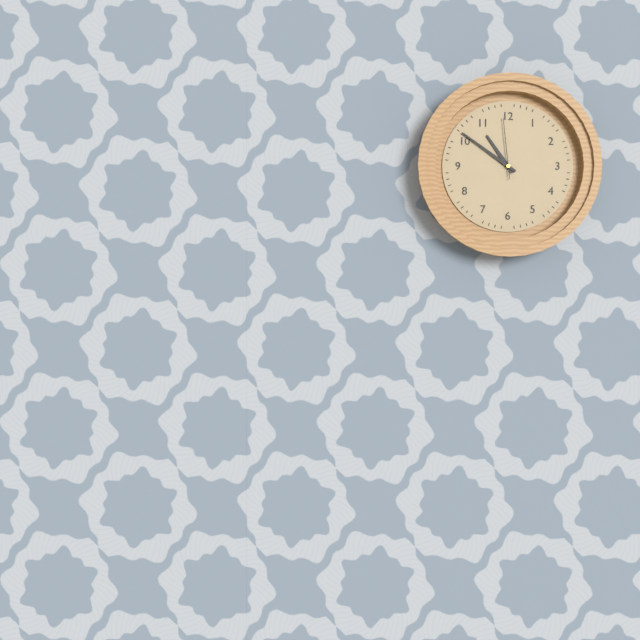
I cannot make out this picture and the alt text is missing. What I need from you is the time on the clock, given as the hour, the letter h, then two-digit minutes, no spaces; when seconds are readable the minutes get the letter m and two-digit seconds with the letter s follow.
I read 10h51m59s
